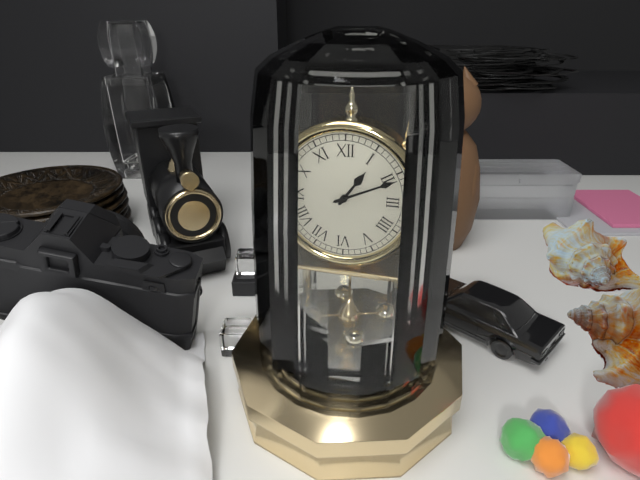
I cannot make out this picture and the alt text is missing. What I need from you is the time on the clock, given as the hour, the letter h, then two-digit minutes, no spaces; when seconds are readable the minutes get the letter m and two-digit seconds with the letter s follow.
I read 1h11
